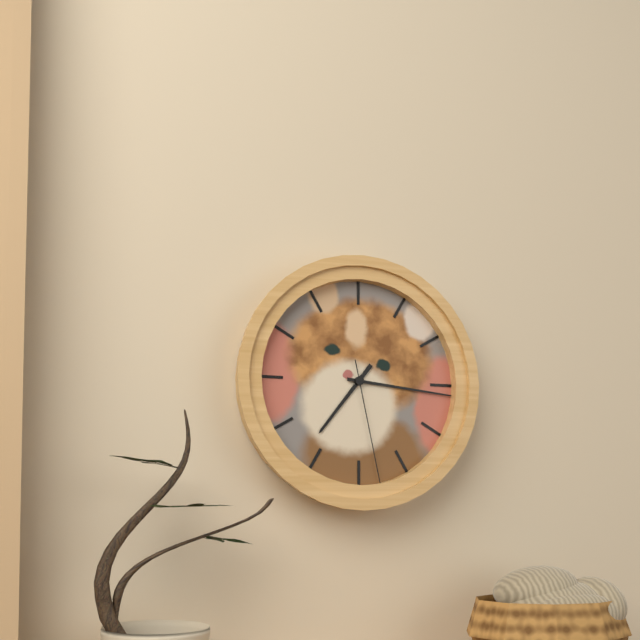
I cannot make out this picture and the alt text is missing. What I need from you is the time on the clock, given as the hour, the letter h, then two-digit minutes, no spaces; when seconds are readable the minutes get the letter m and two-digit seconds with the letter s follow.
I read 7h16m28s
